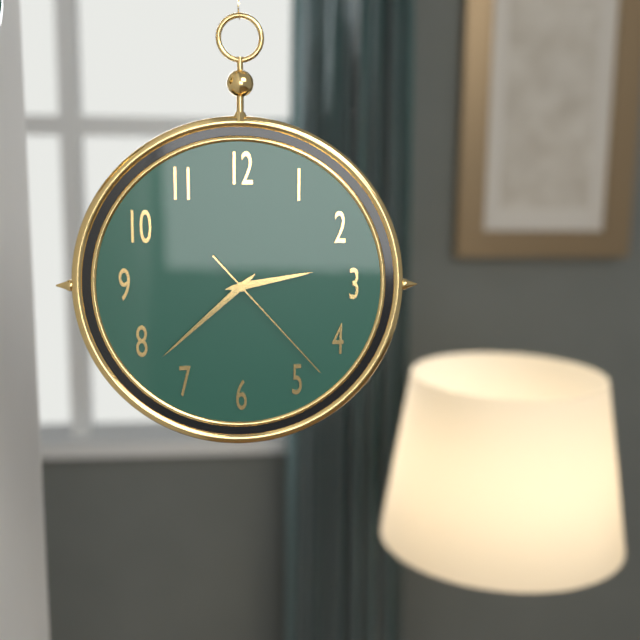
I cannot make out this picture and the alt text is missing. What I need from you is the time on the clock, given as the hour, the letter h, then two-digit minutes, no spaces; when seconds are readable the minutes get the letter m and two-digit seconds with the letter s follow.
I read 2h38m23s
